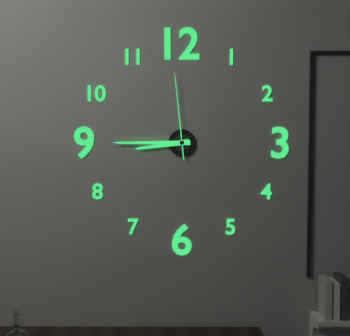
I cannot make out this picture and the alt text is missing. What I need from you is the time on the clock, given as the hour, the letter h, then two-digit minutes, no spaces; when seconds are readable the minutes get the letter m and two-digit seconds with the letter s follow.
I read 8h45m59s
